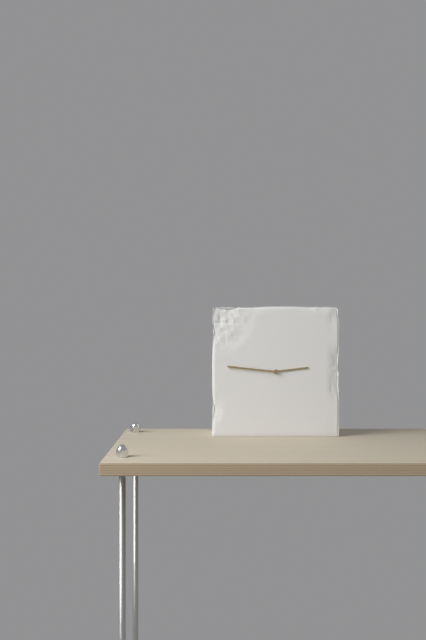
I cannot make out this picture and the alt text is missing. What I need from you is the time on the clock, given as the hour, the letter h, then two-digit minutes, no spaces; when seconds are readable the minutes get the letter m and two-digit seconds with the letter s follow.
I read 2h46
